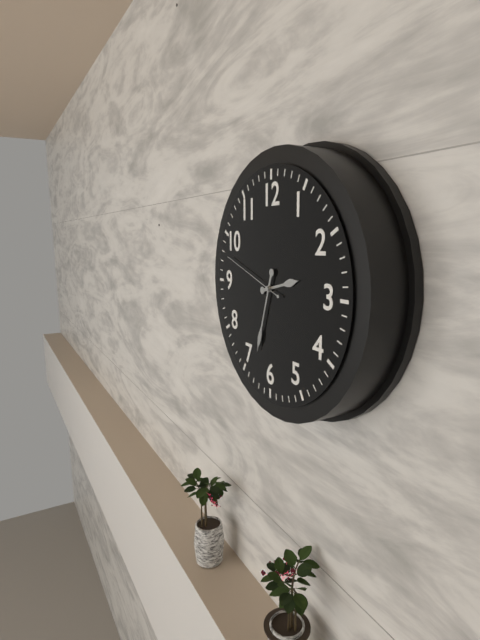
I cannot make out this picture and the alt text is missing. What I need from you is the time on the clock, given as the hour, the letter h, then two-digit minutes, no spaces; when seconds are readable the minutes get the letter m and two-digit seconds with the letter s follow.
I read 2h33m48s
